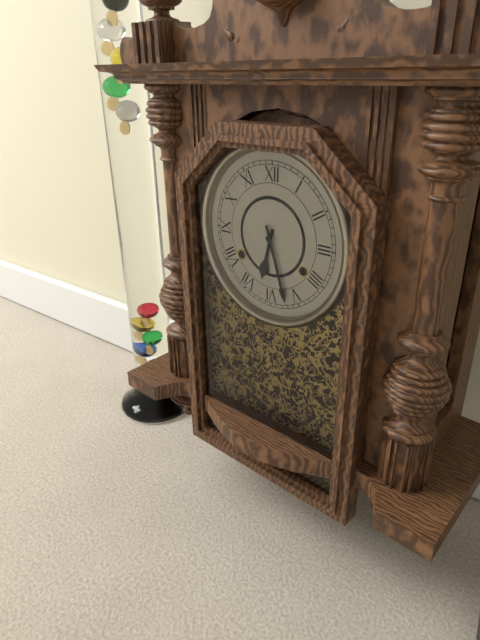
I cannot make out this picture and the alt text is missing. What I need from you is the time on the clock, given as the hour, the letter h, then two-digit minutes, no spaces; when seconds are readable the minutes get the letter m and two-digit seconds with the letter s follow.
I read 6h27
